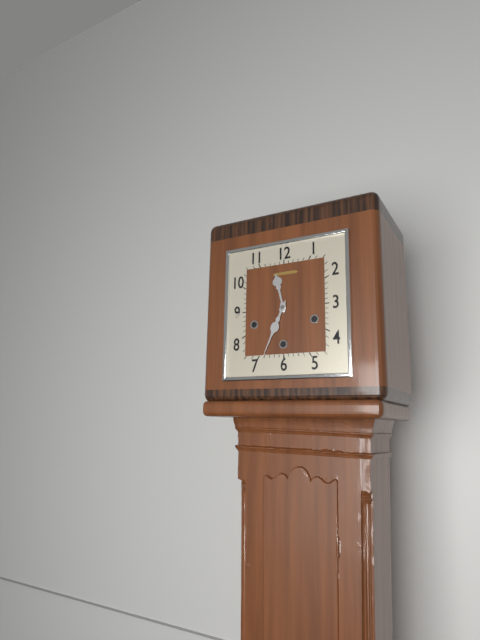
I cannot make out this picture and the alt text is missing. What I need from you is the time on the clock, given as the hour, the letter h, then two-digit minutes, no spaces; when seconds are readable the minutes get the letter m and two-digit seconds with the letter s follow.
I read 11h34
